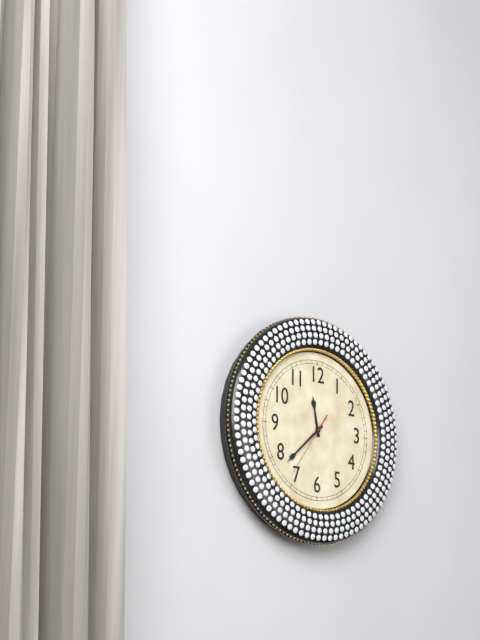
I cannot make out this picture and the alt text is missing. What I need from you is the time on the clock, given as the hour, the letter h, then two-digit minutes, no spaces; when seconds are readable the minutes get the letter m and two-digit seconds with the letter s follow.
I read 11h38m36s
